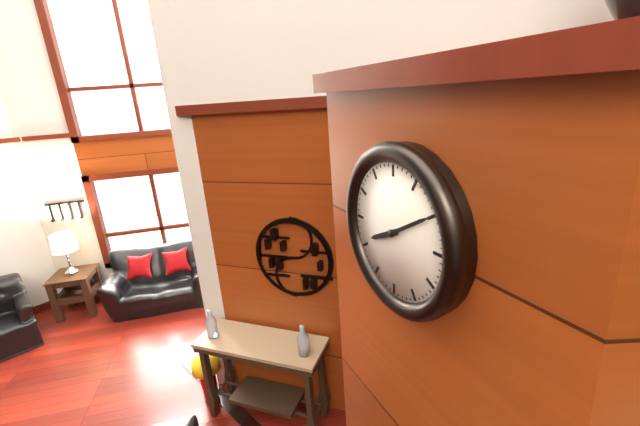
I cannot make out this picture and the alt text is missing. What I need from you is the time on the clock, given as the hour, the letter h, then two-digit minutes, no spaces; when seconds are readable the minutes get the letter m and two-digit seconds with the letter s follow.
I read 8h10
